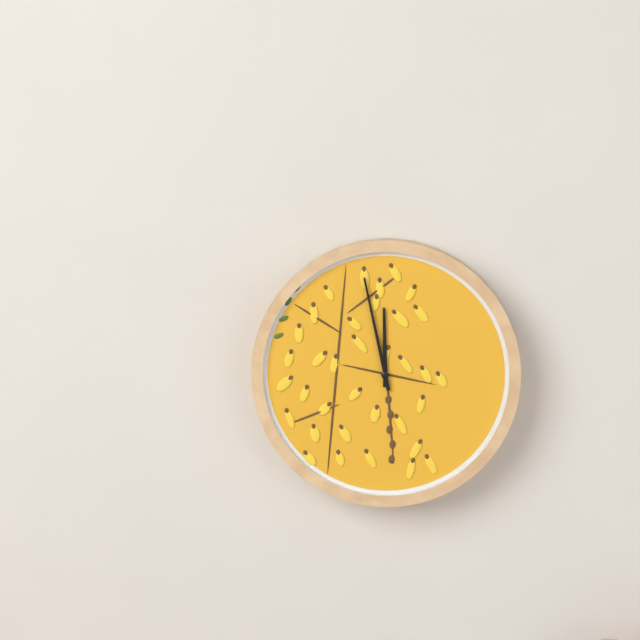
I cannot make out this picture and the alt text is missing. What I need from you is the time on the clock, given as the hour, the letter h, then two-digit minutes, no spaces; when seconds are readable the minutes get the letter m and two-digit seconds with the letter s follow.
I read 11h58
